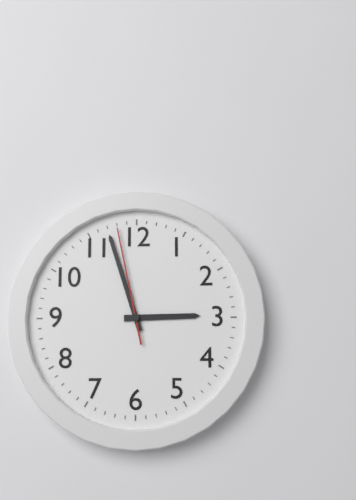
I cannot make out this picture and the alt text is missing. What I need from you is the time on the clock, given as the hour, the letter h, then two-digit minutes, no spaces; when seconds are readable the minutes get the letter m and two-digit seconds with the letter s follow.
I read 2h57m58s
